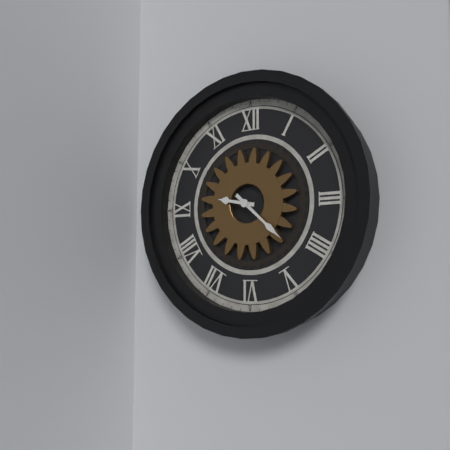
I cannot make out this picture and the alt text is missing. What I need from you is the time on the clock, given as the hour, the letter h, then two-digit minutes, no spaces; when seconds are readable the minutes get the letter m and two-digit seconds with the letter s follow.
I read 9h22
